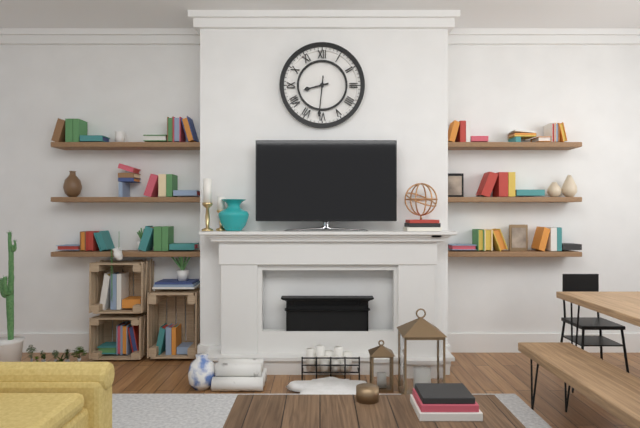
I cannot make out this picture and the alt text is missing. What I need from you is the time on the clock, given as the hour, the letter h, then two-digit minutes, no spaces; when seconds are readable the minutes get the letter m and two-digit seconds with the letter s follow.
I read 8h31
